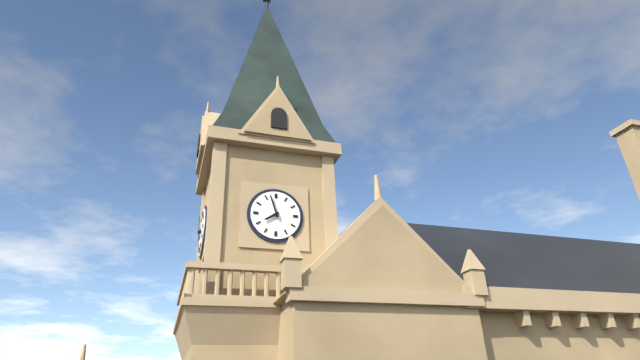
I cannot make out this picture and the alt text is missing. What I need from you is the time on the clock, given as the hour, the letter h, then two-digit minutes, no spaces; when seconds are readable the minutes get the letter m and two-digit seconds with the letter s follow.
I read 7h57
